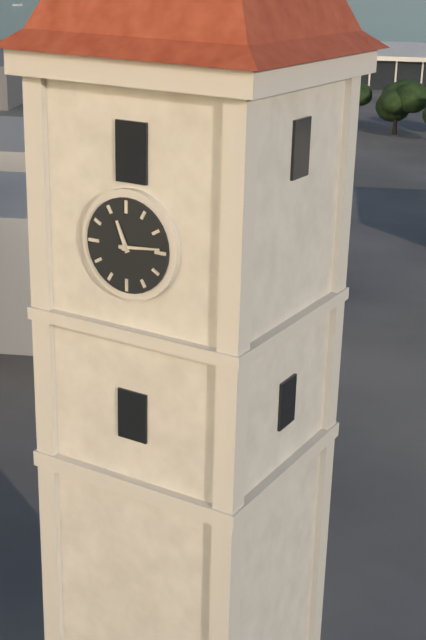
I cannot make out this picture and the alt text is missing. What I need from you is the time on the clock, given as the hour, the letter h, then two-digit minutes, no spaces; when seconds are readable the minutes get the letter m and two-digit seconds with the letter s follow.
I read 11h14
